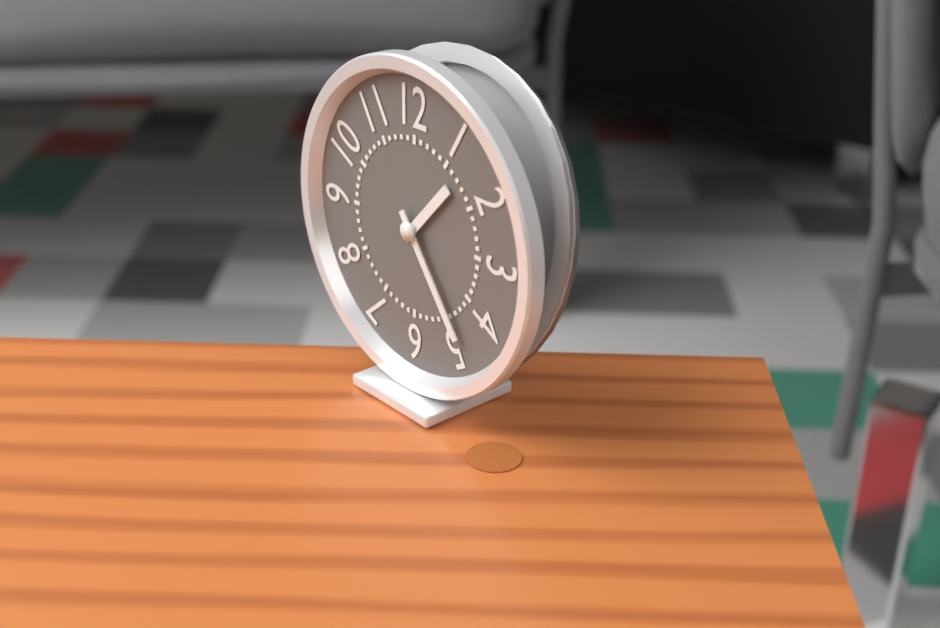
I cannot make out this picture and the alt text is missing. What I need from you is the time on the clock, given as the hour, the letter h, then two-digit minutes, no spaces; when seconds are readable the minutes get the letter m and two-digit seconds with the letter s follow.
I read 1h24
